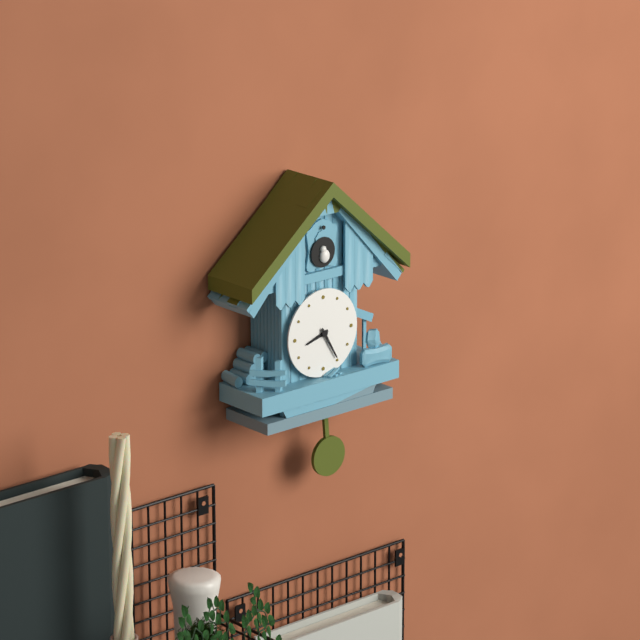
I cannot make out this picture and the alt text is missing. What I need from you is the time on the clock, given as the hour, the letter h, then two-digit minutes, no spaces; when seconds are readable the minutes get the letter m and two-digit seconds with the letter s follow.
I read 8h25
